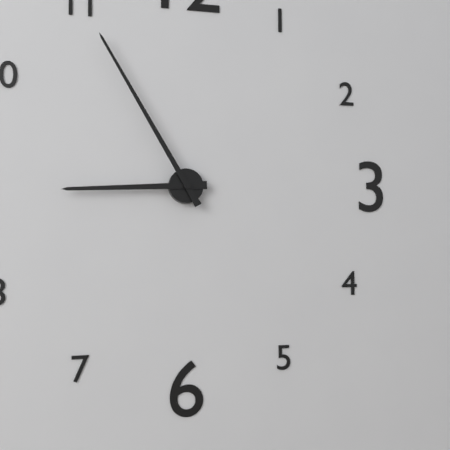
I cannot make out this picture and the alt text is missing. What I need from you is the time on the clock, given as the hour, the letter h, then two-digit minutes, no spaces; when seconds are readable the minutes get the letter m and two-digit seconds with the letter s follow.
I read 8h55
